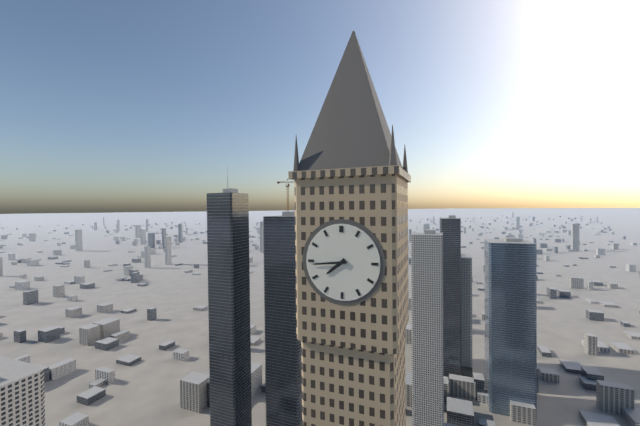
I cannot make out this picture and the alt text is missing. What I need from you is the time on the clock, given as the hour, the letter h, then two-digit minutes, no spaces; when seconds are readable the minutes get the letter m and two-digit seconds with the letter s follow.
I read 7h44
